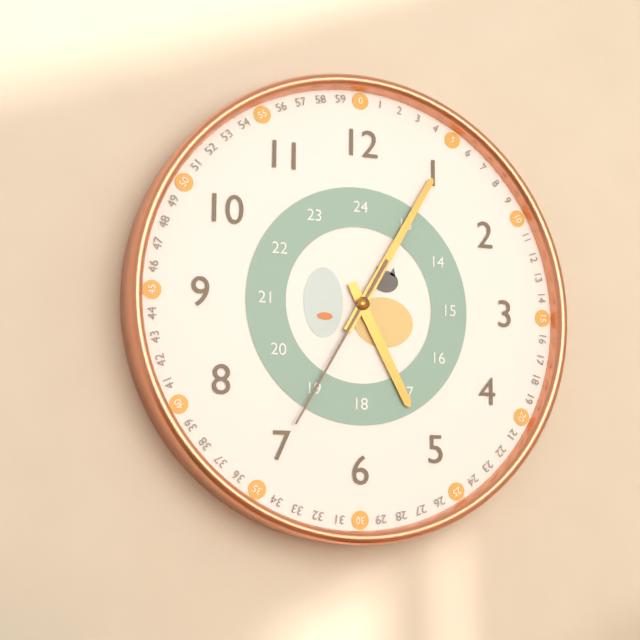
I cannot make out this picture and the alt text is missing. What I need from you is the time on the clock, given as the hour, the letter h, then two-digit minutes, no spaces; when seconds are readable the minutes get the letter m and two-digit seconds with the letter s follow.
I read 5h05m35s
